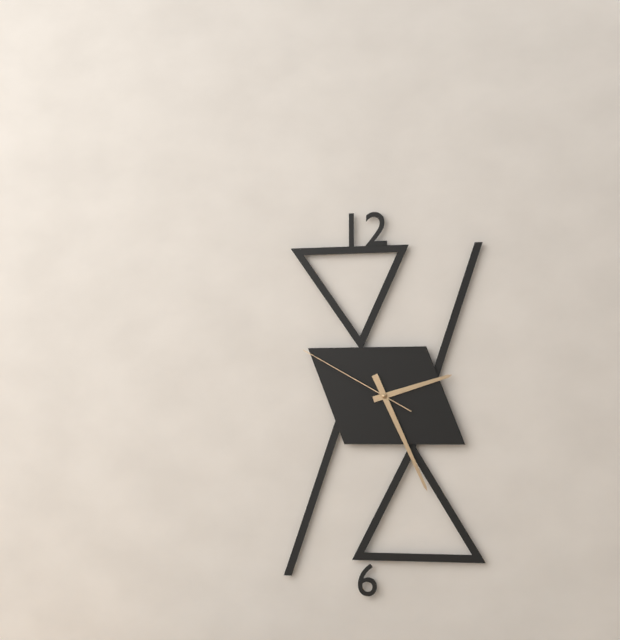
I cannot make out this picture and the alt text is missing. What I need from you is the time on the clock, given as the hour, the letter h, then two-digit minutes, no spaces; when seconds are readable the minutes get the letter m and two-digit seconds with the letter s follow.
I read 2h26m50s
